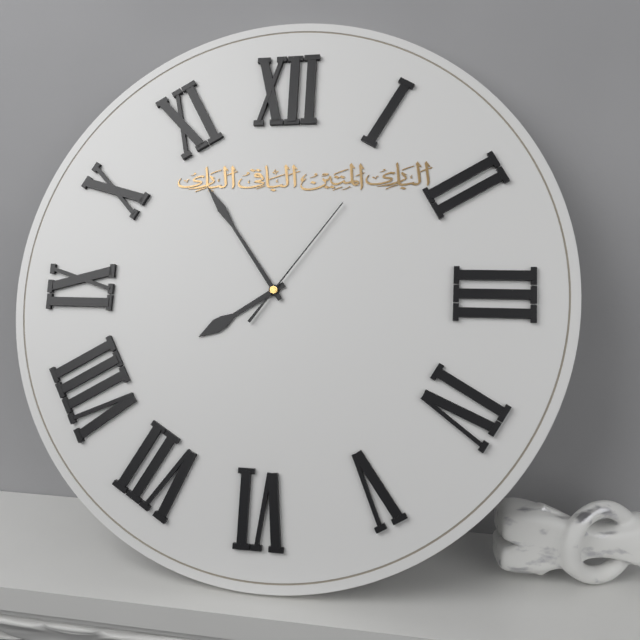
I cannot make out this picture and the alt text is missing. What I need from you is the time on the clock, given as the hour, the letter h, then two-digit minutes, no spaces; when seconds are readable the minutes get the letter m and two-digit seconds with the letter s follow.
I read 7h54m06s
